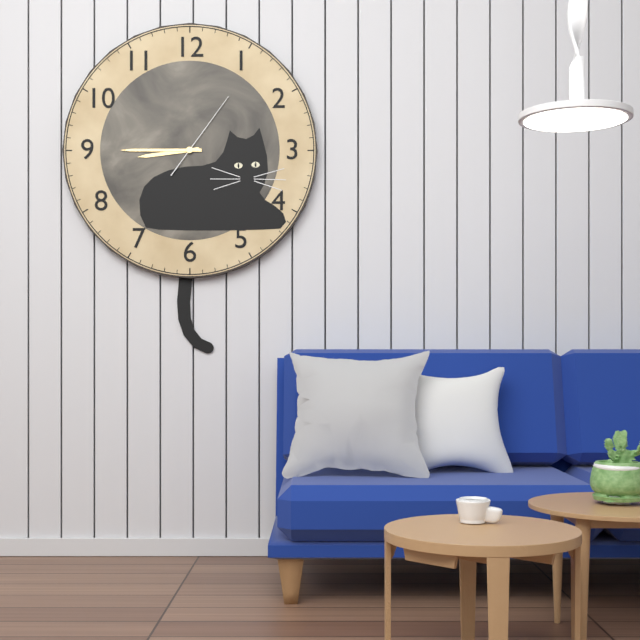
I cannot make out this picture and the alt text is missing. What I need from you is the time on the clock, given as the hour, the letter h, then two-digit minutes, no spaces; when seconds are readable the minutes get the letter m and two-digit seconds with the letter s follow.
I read 8h45m06s
